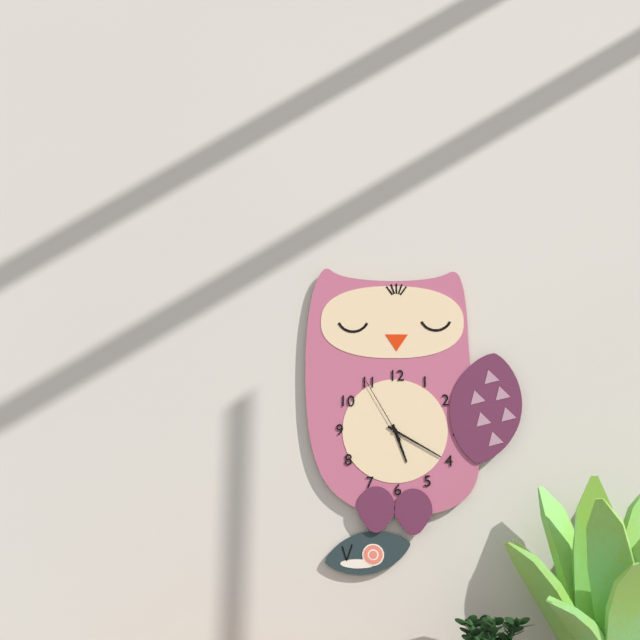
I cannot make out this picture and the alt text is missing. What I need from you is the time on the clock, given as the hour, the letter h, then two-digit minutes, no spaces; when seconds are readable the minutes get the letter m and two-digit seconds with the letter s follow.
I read 5h20m55s
